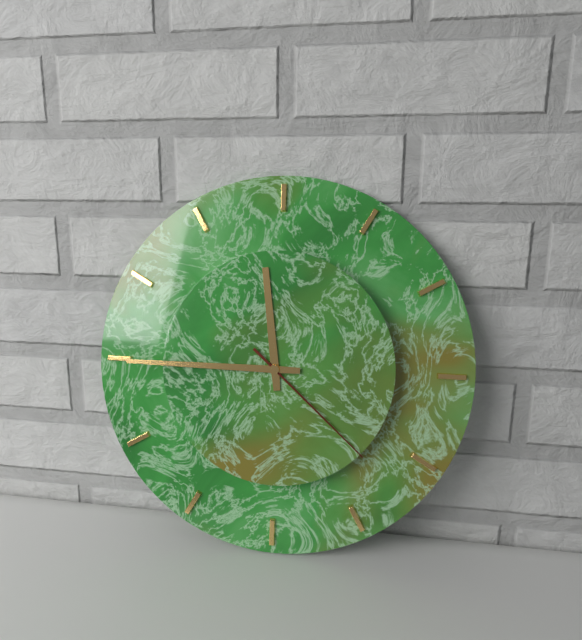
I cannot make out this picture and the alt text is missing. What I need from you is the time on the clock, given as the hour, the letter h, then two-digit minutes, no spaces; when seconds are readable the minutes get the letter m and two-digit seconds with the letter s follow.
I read 11h45m22s
